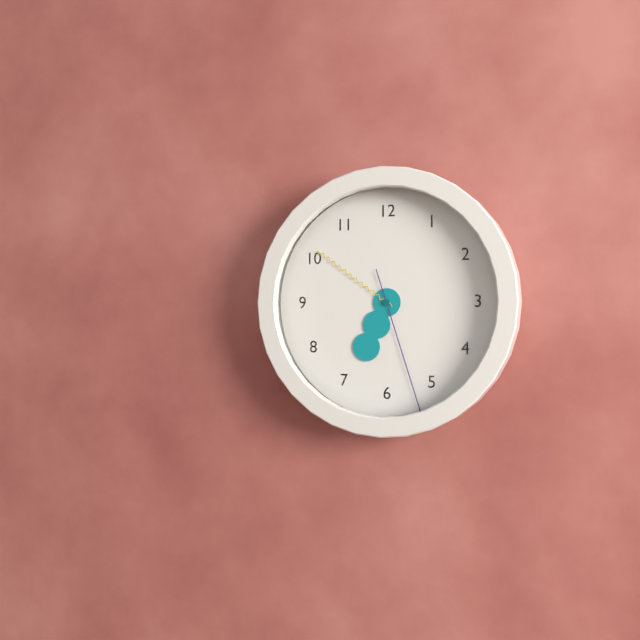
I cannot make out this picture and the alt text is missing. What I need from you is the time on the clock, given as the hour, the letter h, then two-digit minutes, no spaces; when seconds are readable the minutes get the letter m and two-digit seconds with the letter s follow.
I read 6h51m27s
